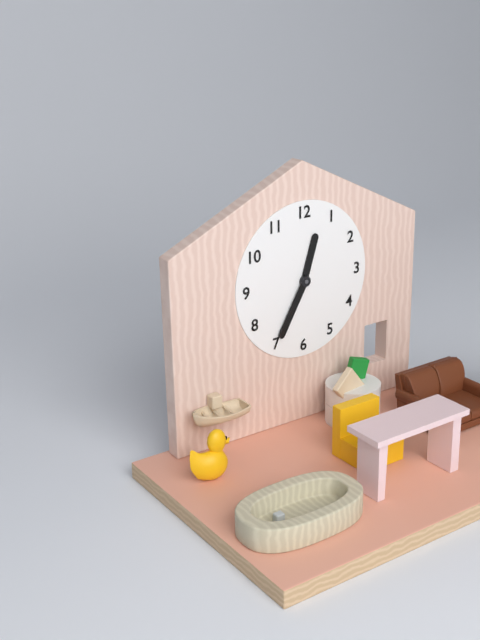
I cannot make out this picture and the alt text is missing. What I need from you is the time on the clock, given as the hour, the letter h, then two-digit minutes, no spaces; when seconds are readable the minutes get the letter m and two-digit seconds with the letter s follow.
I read 12h35
